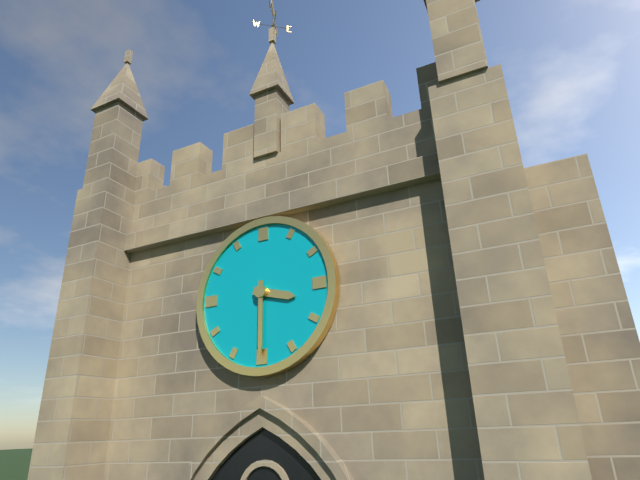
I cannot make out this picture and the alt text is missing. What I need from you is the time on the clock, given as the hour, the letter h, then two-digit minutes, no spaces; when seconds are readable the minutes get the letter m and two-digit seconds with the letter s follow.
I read 3h30
